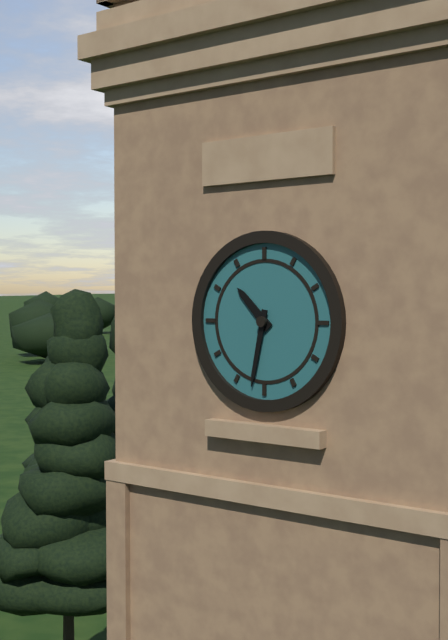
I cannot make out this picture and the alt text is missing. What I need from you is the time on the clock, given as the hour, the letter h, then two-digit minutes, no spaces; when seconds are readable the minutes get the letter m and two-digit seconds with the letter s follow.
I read 10h32
